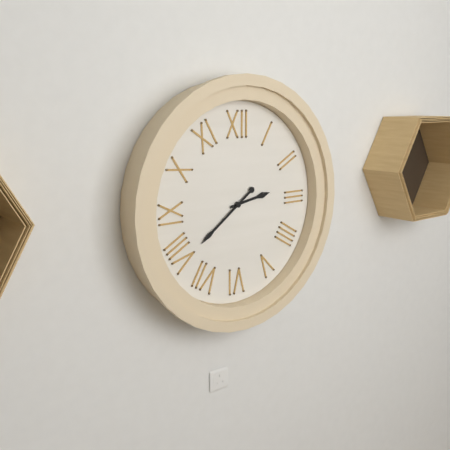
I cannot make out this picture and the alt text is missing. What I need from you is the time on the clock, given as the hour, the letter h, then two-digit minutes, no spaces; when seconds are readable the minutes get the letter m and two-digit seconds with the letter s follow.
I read 2h39
